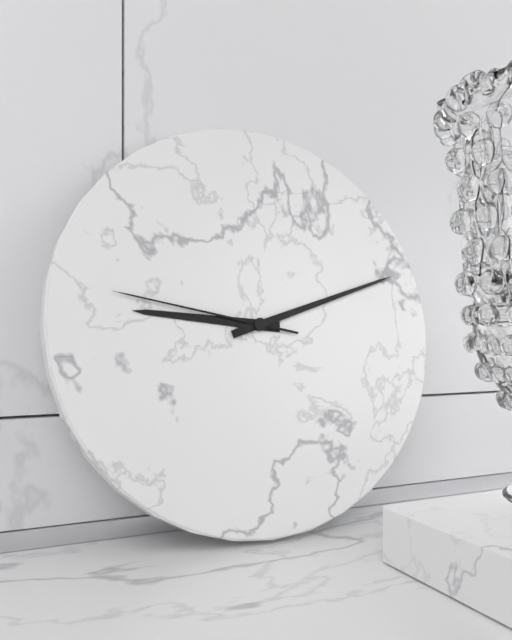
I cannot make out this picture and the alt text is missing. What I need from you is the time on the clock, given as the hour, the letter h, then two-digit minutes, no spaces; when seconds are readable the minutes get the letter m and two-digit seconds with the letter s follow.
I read 9h12m47s
